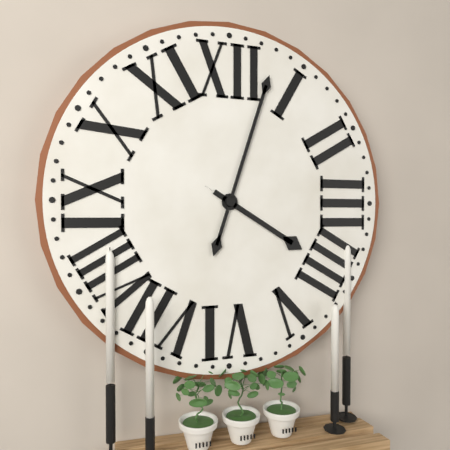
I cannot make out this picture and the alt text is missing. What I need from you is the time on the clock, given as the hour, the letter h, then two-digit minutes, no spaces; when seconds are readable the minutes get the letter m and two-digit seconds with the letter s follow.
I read 4h03
